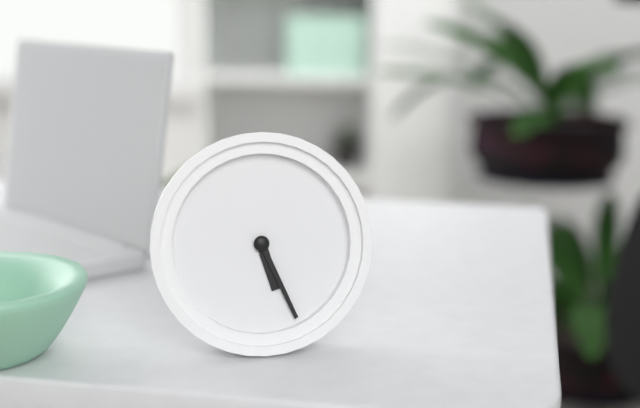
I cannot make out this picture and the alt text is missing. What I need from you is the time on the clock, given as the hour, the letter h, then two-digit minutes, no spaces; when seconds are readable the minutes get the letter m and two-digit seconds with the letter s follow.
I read 5h26
